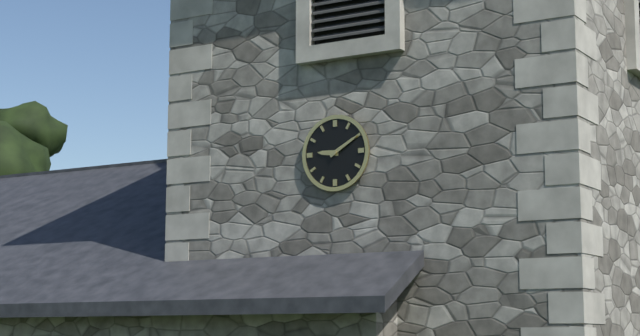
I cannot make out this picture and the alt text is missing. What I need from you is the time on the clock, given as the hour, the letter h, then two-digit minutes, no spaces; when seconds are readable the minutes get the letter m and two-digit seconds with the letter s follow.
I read 9h10
